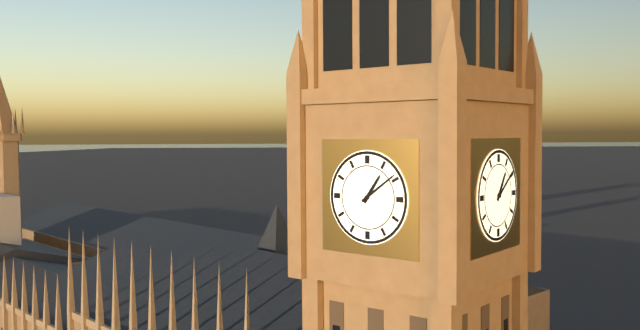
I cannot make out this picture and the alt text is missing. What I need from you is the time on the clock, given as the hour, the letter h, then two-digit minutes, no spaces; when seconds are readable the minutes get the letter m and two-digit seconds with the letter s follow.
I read 1h09
